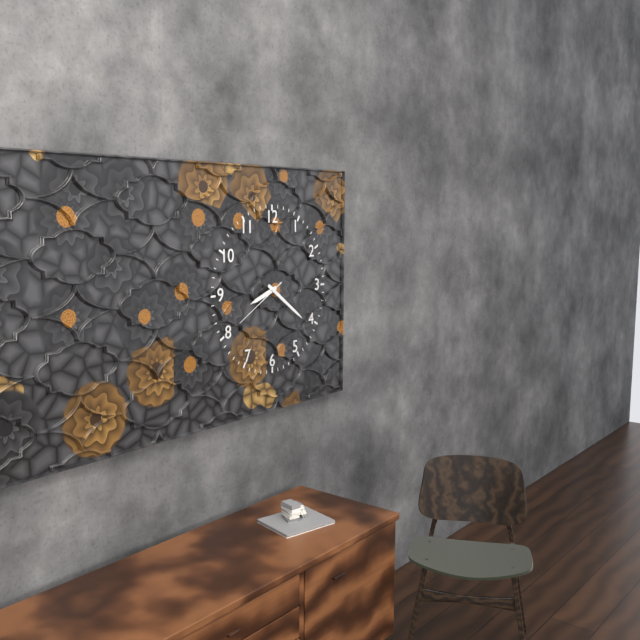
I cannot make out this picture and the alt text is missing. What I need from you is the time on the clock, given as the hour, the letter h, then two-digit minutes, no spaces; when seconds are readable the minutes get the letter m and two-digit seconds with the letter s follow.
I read 8h21m40s
